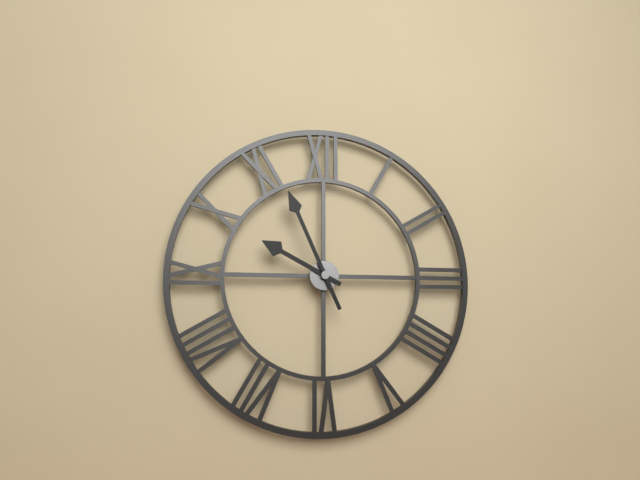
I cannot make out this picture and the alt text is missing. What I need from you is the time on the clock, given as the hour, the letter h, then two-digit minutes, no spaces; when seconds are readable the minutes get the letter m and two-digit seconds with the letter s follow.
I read 9h56
